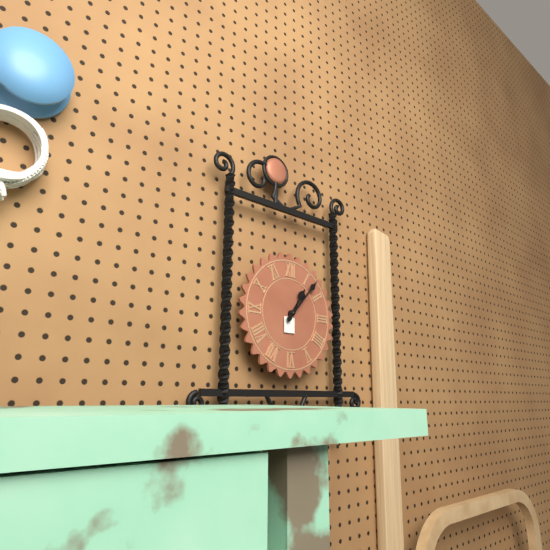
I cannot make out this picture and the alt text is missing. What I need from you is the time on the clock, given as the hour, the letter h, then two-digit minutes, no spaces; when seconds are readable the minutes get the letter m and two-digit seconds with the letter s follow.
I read 1h07
